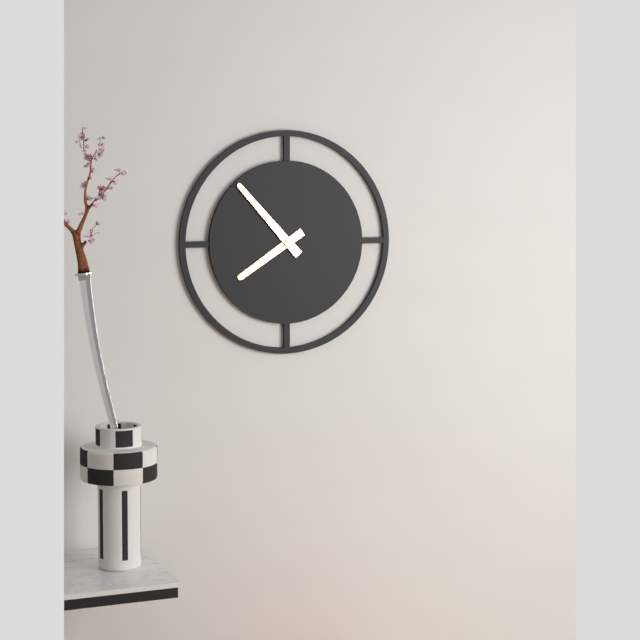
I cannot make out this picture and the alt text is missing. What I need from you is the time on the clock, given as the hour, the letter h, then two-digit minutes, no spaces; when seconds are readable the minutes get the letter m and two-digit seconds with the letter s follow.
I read 7h53
